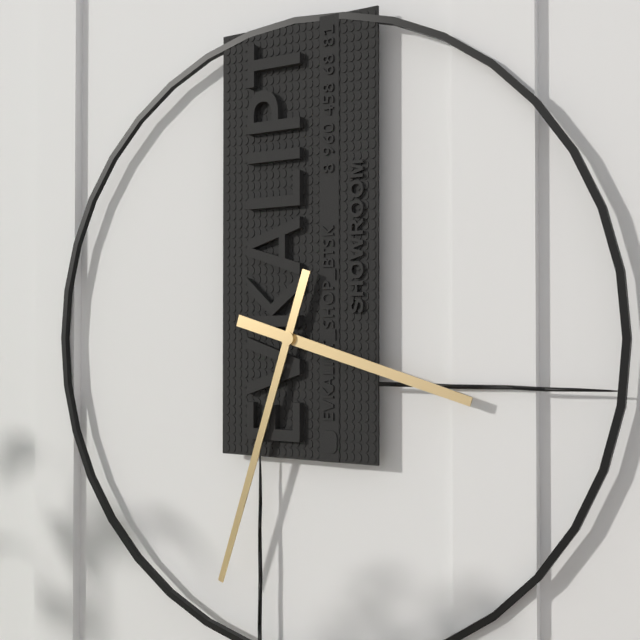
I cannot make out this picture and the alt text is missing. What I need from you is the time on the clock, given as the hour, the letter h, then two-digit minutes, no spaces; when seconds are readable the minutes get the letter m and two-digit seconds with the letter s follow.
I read 3h33
